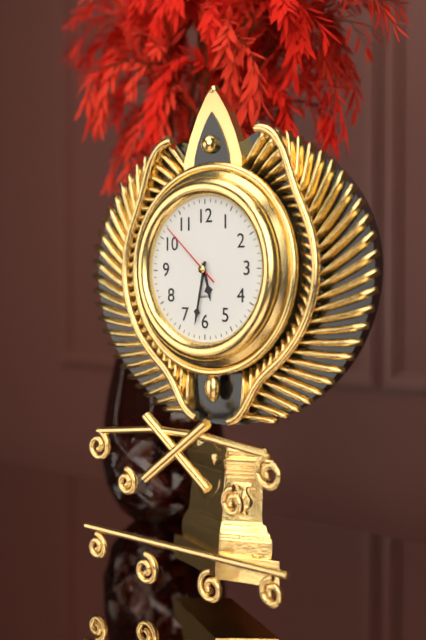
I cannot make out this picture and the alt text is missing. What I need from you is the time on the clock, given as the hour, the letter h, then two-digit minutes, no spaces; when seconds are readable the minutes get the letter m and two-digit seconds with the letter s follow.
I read 5h32m52s
